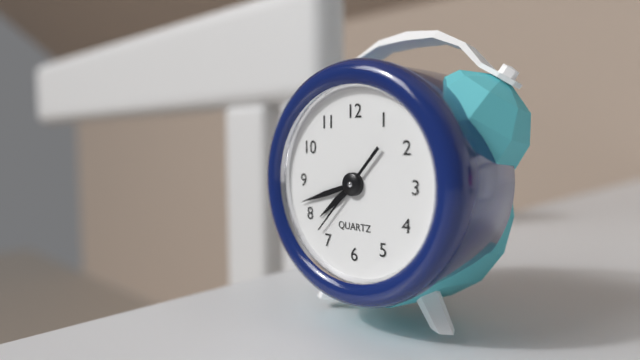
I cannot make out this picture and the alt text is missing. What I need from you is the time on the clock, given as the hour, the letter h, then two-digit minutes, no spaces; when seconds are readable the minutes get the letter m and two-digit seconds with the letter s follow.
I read 7h42m37s
